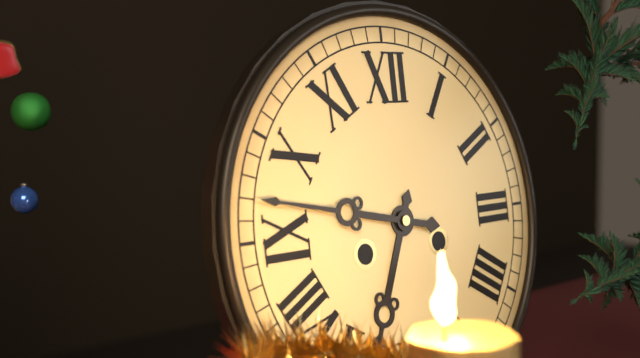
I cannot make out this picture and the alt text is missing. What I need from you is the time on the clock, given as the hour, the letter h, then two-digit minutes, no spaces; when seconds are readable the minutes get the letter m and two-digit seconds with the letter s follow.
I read 6h47
